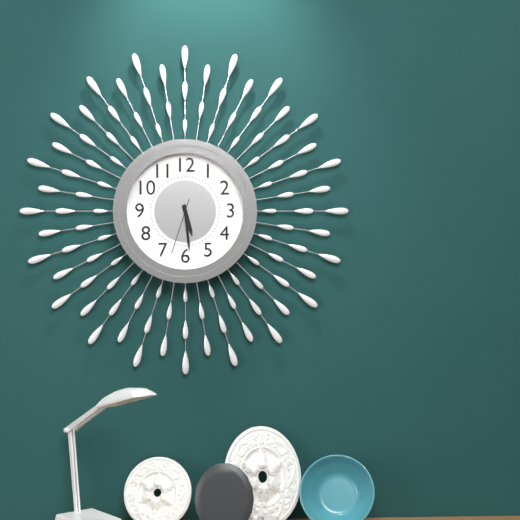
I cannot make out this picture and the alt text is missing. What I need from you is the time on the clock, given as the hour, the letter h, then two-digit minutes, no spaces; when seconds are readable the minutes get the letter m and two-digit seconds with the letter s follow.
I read 5h29m33s
